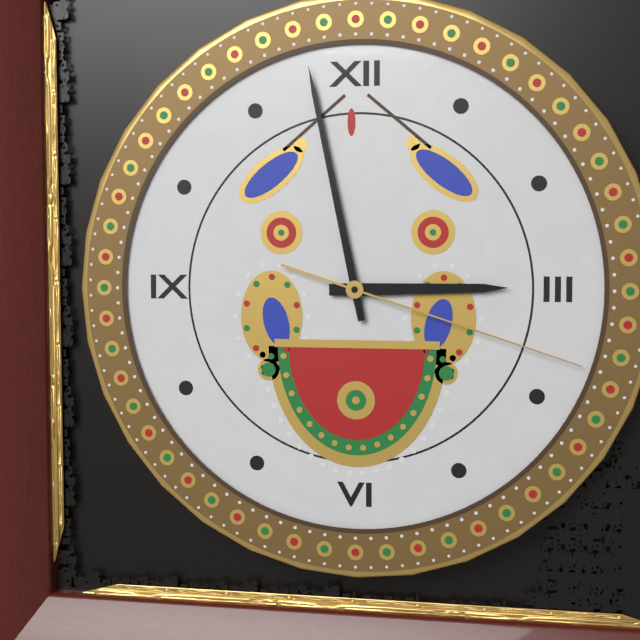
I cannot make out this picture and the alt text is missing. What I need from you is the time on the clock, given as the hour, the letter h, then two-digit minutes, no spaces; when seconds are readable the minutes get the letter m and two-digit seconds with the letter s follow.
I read 2h58m18s
